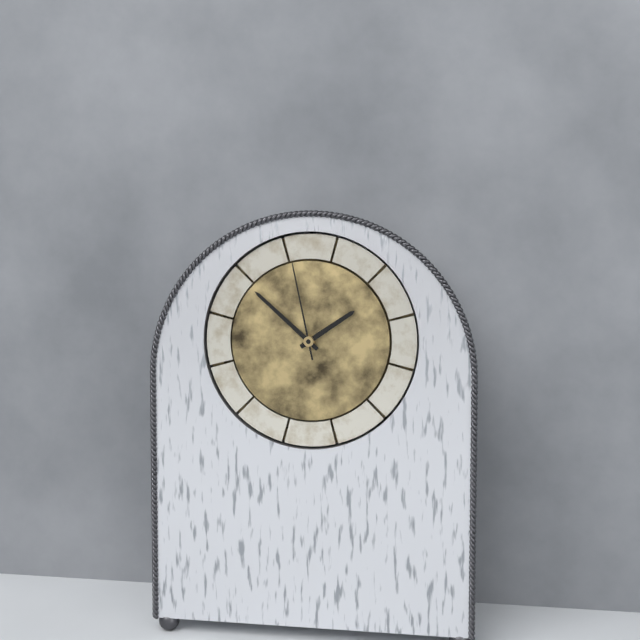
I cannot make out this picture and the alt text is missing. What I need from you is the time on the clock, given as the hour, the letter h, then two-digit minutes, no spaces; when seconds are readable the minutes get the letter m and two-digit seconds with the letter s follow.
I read 1h52m58s
